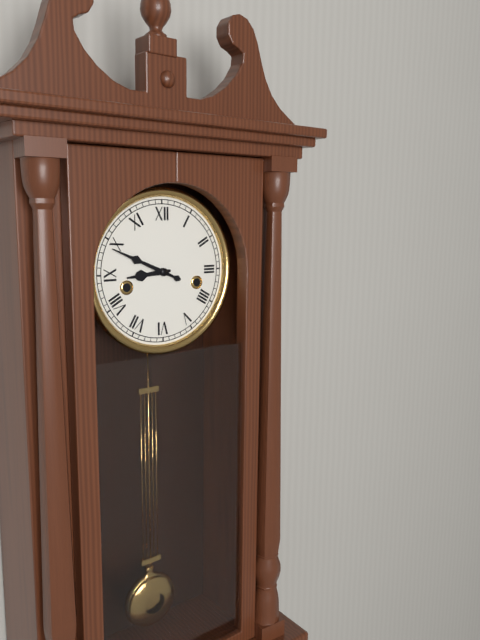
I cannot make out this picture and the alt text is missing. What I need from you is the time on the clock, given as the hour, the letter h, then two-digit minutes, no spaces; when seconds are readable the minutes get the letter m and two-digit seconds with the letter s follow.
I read 8h49
